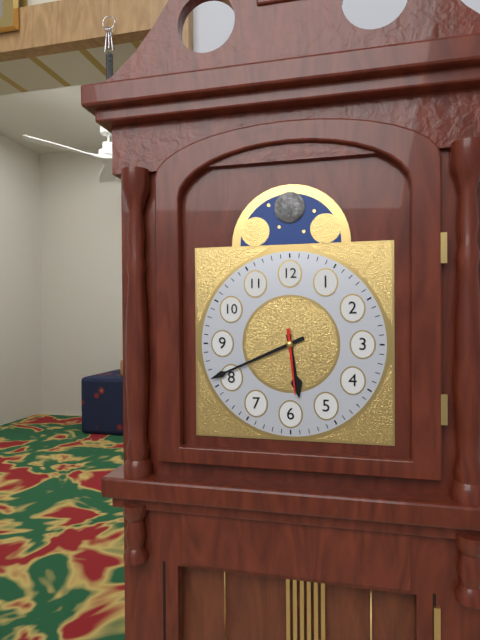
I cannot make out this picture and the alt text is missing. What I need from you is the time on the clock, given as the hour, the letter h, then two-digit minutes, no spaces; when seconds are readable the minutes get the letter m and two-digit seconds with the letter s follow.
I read 5h41m29s
